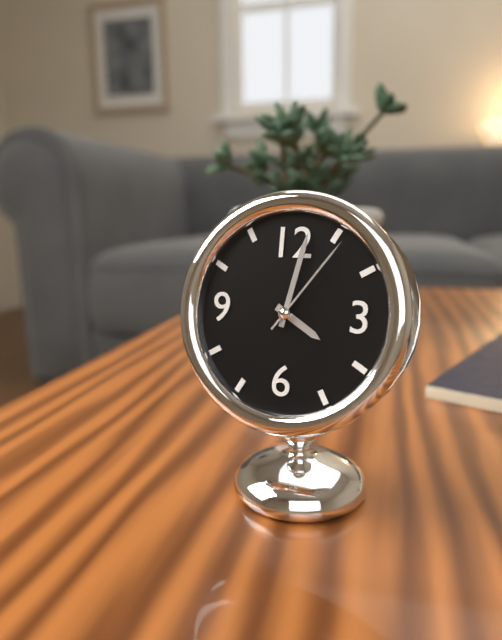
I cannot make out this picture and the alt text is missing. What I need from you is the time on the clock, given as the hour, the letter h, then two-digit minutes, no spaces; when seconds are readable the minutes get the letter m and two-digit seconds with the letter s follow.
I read 4h02m06s
